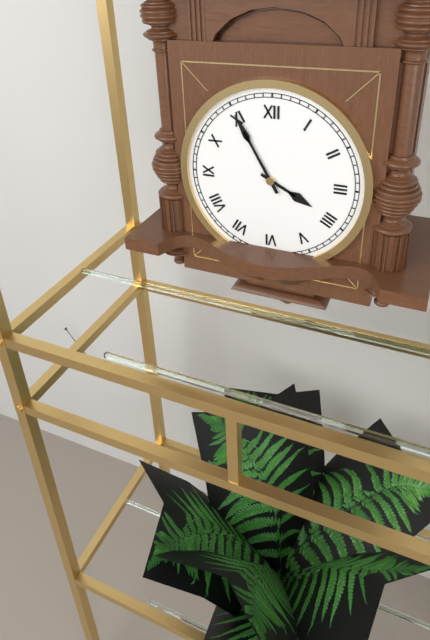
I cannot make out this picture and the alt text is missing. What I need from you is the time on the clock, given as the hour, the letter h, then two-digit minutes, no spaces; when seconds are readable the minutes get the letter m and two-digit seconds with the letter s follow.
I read 3h55
